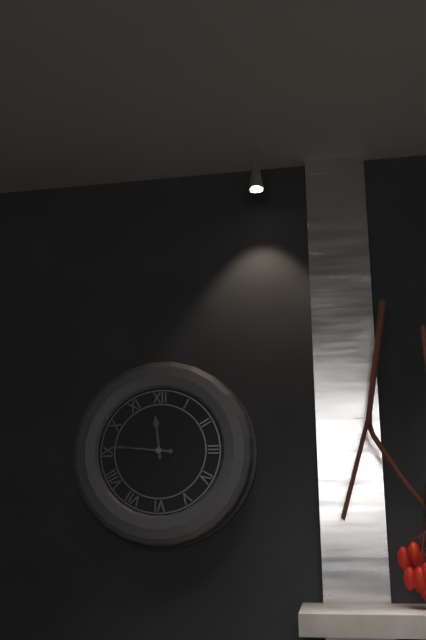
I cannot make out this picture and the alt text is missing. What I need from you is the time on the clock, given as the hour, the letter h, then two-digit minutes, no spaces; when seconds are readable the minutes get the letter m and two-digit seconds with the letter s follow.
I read 11h46
